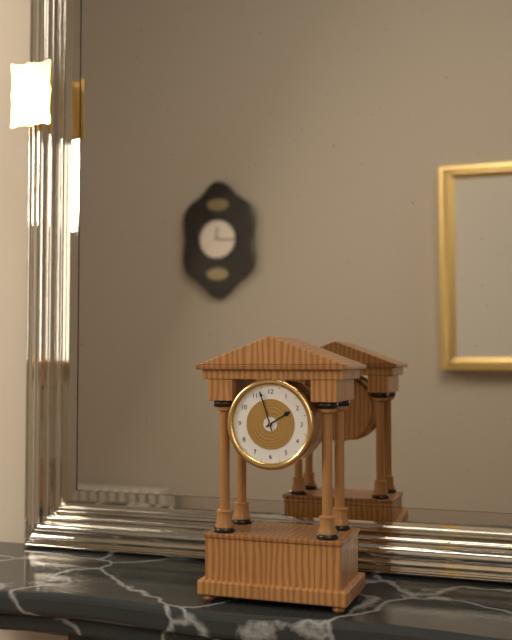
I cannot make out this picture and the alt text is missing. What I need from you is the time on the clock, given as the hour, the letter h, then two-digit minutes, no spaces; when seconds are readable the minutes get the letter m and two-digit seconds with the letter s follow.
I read 1h57
